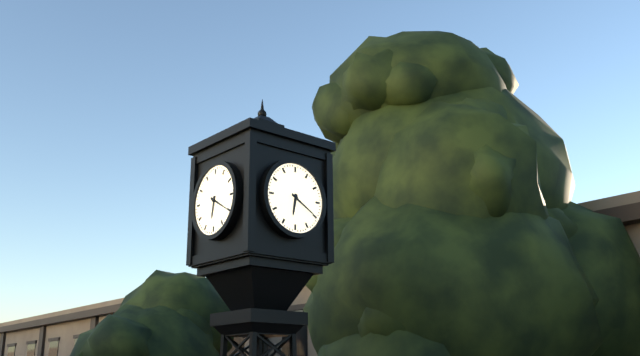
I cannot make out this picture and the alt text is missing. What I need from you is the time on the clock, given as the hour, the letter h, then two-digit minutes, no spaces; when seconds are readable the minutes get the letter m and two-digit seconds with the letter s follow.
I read 6h20
